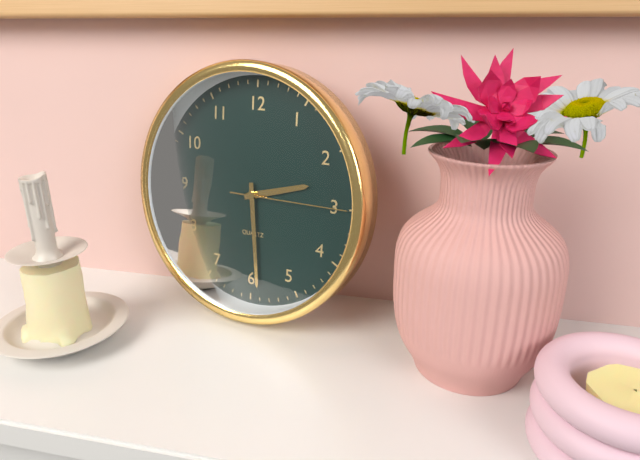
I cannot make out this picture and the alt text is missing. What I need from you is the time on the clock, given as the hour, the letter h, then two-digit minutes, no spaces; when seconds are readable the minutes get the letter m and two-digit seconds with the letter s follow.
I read 2h29m15s
